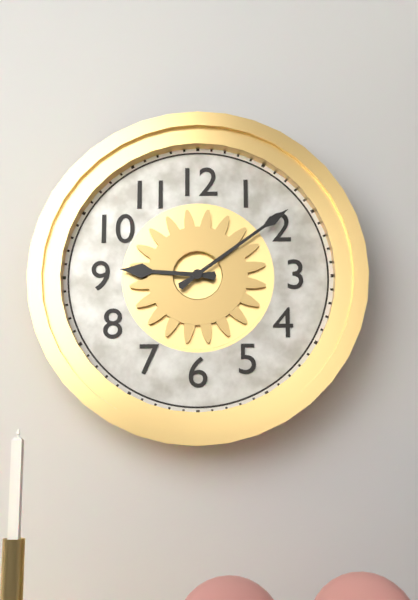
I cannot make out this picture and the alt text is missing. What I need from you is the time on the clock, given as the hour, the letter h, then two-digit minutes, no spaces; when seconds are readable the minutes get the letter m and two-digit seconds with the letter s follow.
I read 9h09
